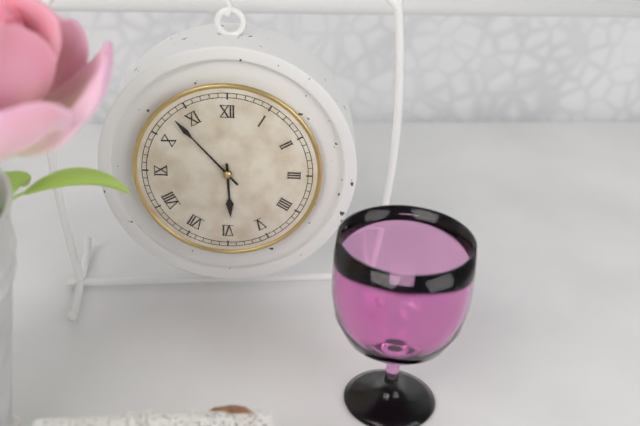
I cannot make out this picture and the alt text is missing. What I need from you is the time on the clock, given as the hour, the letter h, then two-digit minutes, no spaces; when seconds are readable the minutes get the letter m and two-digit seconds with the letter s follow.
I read 5h53
